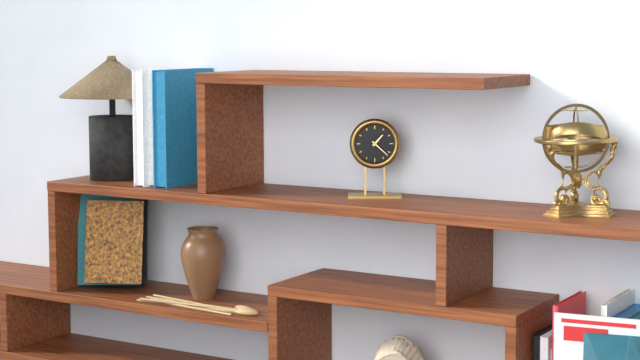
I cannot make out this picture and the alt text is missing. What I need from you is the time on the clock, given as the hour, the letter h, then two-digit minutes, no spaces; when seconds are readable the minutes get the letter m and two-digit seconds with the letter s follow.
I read 1h22
